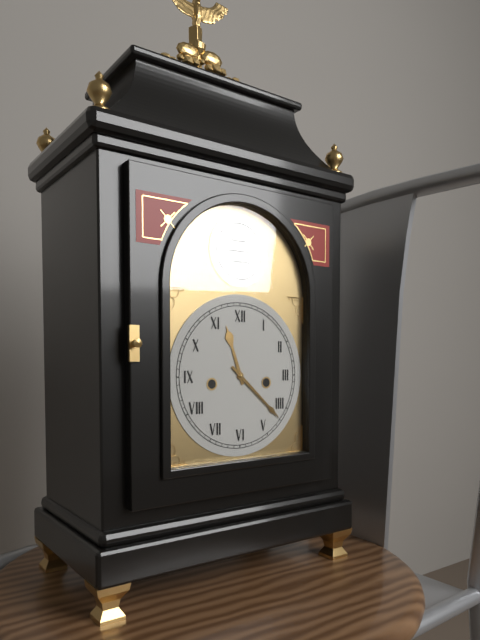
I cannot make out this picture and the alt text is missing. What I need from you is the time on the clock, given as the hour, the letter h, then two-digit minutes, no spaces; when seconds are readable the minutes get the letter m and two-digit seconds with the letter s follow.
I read 11h22
